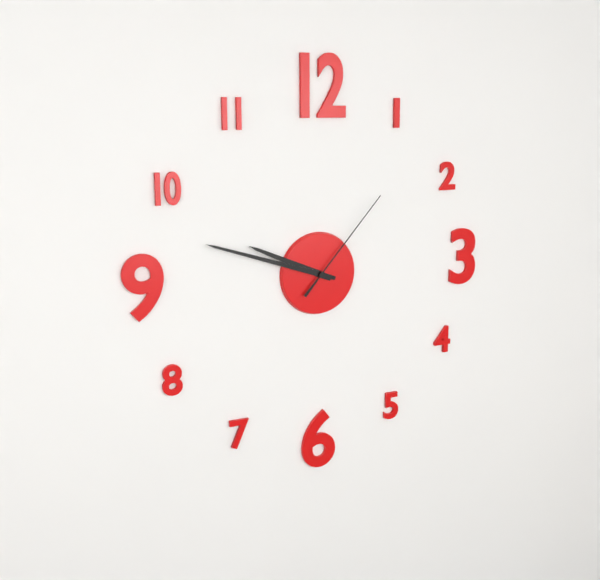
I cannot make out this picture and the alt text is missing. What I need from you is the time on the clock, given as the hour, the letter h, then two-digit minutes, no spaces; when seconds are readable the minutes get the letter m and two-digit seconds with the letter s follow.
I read 9h48m07s
